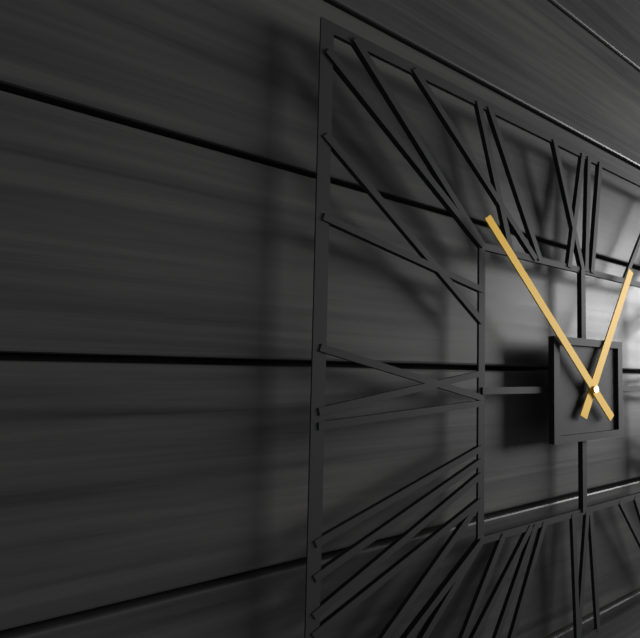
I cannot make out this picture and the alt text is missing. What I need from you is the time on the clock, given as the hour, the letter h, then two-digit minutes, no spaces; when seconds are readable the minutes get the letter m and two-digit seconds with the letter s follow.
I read 12h53
